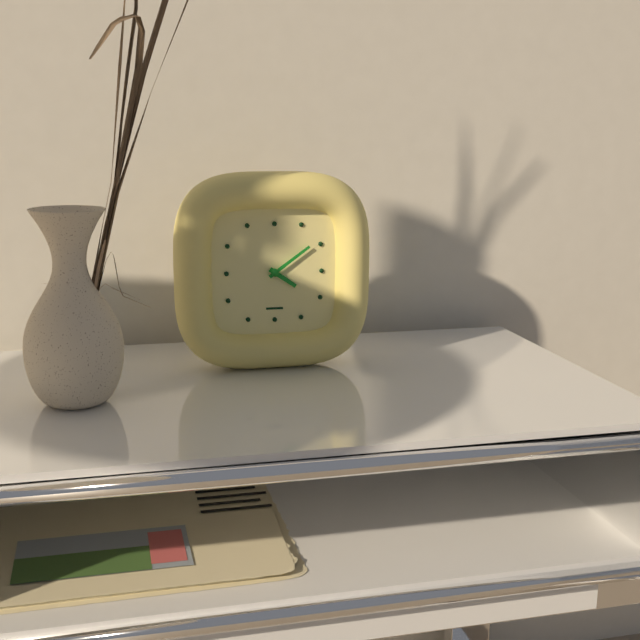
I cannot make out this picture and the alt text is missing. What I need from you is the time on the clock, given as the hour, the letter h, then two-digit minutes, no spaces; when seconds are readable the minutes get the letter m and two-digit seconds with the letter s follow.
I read 4h09
